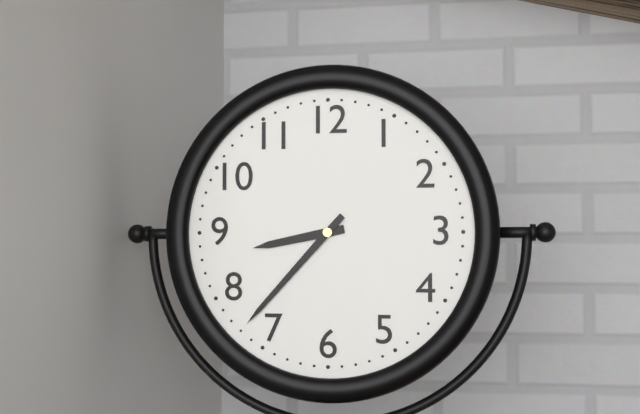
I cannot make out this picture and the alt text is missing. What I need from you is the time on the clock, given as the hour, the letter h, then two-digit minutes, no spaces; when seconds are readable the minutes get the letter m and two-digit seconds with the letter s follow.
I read 8h37
